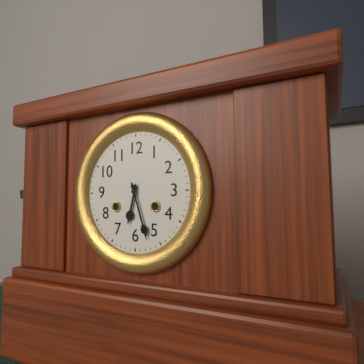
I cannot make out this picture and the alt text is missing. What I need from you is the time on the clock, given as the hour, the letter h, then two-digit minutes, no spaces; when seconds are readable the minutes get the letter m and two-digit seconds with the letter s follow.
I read 6h27
